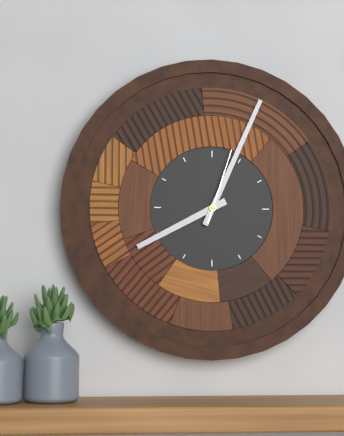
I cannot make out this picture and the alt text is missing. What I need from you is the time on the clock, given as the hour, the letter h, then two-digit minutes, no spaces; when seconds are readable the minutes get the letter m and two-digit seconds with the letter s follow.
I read 8h04m03s
